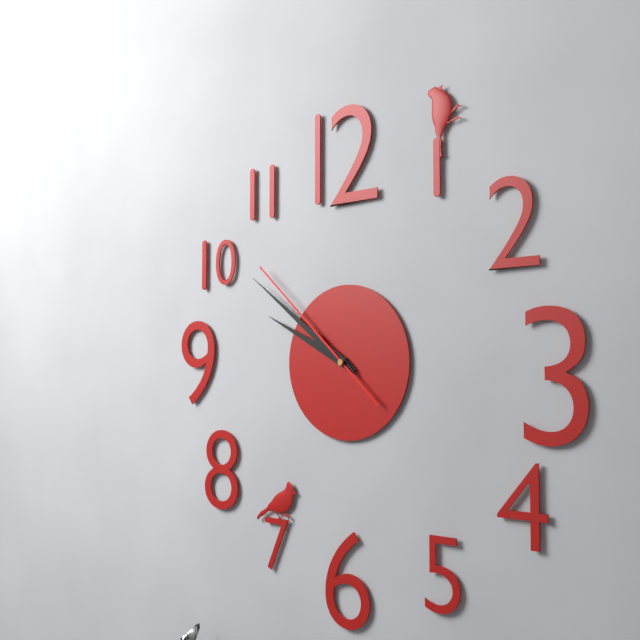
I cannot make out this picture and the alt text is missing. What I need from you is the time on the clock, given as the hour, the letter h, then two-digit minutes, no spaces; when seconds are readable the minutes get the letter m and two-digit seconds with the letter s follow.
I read 9h51m52s
